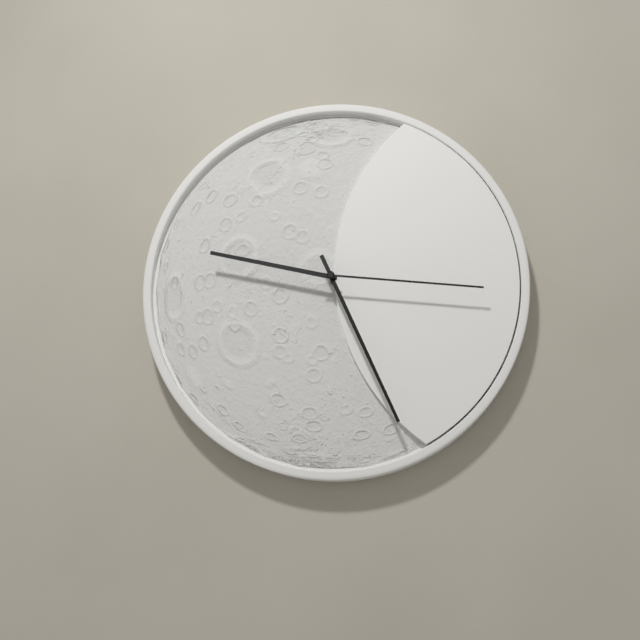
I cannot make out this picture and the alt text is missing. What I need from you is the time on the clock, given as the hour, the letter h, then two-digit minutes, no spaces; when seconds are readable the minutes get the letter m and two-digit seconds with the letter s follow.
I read 9h26m16s
